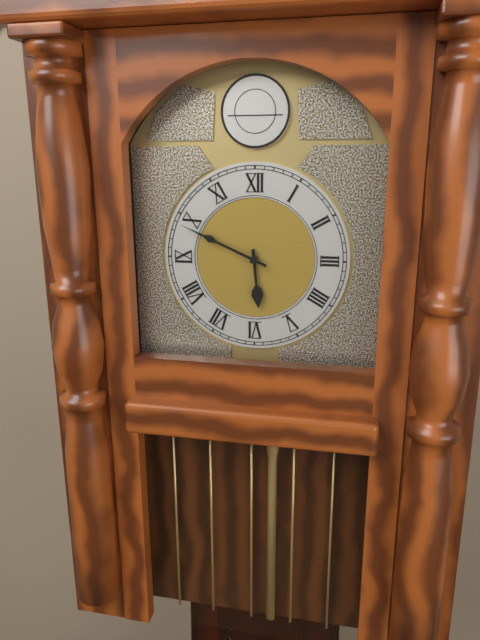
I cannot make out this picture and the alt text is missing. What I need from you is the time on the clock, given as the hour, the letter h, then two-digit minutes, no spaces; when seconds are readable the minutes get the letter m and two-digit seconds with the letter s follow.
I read 5h49
